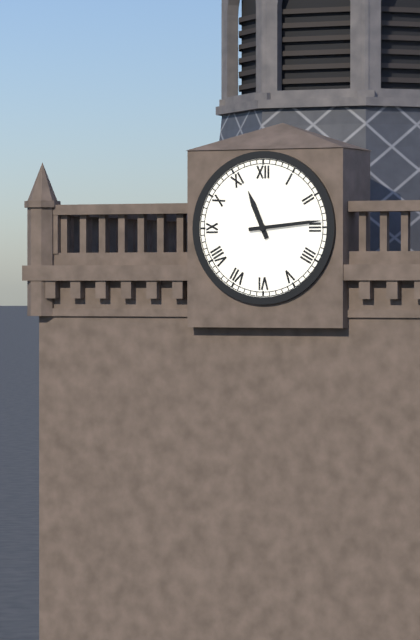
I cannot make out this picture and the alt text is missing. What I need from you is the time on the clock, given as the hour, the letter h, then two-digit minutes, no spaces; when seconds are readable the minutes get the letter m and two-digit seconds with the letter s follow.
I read 11h14
